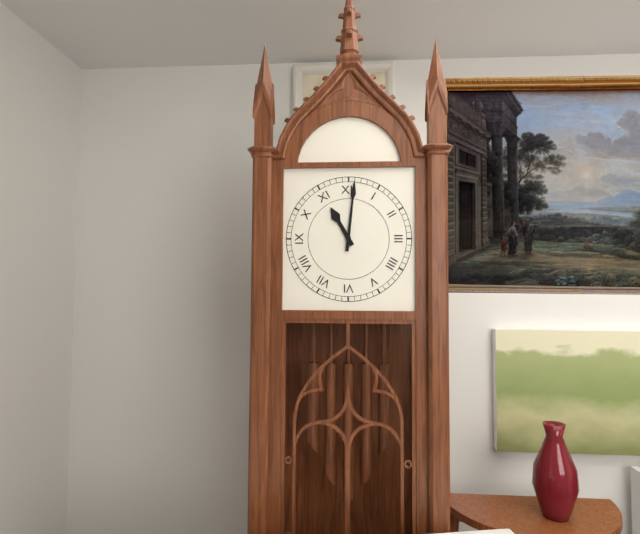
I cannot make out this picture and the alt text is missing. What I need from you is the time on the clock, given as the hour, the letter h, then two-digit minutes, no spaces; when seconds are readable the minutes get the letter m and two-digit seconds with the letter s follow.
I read 11h01
